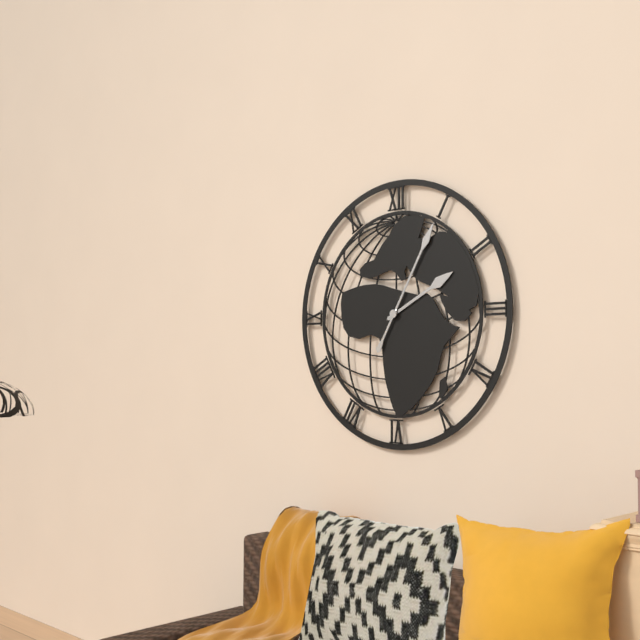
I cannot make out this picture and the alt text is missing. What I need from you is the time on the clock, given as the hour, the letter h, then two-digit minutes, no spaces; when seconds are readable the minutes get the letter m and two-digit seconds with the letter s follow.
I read 2h05
